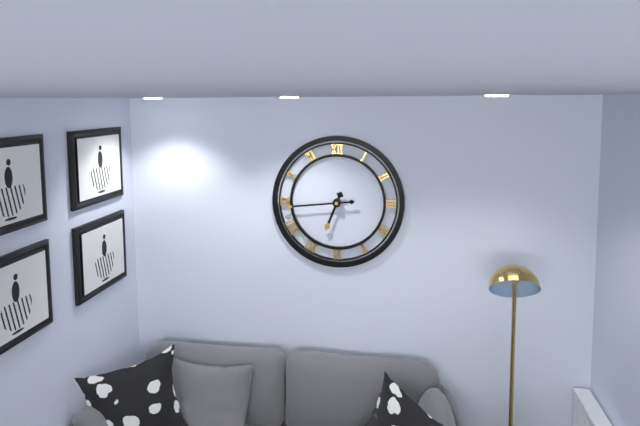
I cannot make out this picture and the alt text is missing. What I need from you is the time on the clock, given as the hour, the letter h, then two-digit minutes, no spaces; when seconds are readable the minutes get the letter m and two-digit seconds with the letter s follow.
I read 6h44
